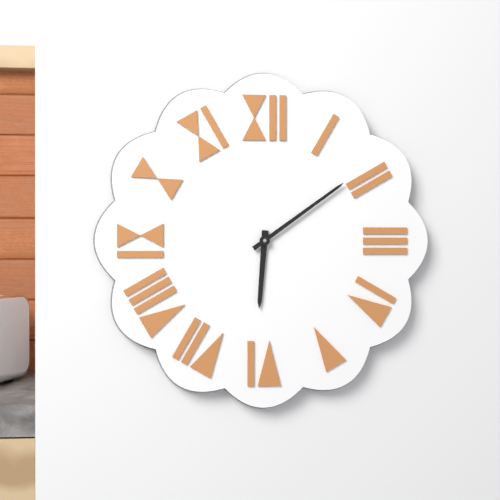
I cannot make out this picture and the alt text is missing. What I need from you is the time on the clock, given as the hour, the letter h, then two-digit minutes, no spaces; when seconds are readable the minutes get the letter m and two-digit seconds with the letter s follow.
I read 6h09
